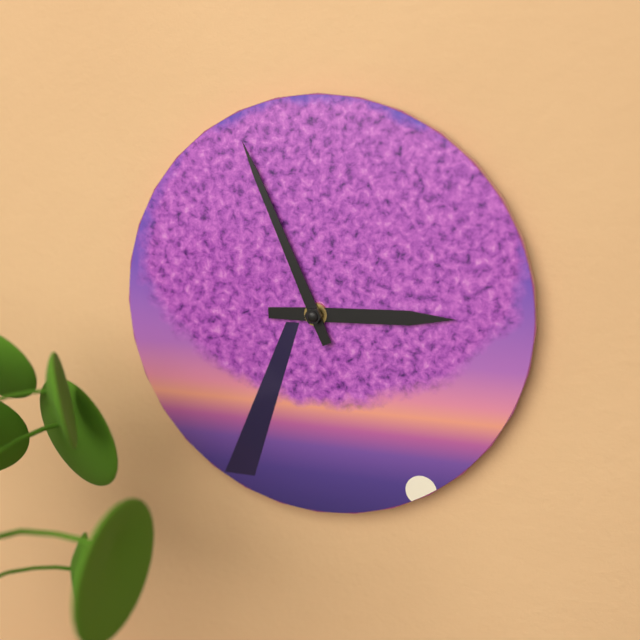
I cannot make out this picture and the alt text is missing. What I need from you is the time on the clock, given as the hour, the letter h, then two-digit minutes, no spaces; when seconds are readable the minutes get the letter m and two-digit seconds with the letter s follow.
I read 2h56
